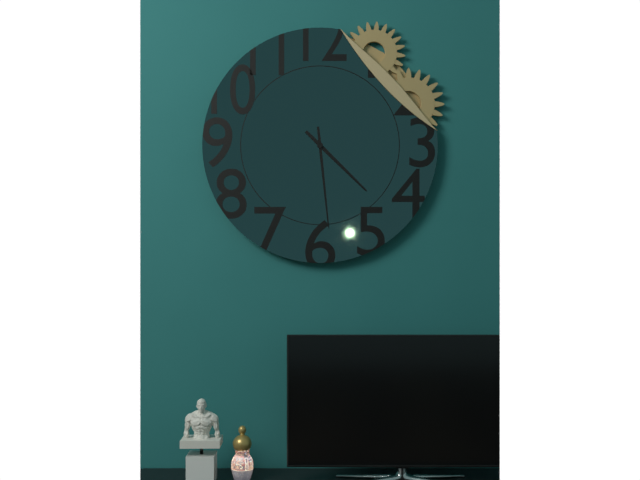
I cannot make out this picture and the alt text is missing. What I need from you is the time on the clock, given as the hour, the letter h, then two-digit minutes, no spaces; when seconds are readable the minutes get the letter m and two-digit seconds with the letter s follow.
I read 4h29
